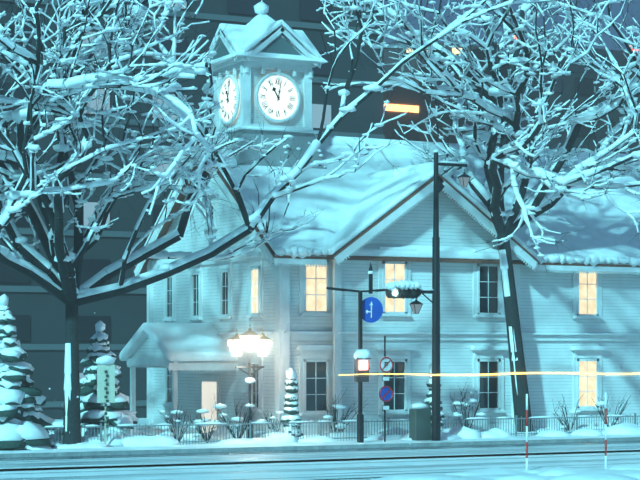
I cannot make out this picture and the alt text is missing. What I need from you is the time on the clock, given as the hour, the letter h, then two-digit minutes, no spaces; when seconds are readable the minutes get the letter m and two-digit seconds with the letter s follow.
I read 11h02
